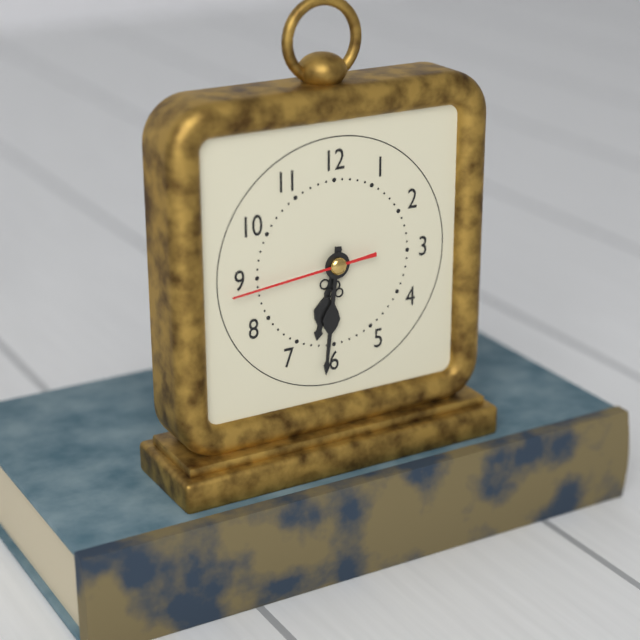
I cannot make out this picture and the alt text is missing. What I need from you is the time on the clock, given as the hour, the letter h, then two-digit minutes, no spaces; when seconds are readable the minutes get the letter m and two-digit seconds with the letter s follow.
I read 6h31m44s
